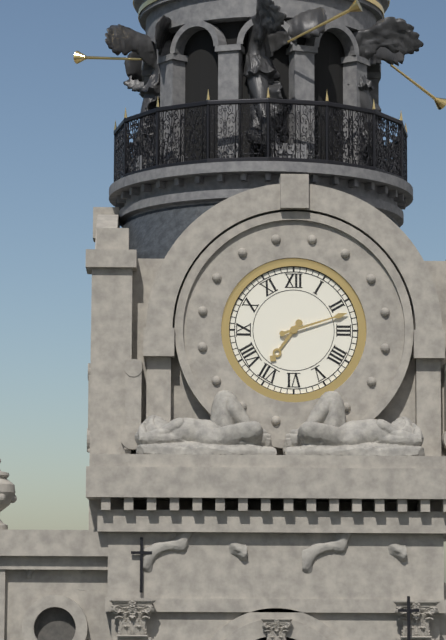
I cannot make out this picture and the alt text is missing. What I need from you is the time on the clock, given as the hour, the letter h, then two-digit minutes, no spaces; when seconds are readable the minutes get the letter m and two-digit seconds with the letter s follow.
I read 7h12
